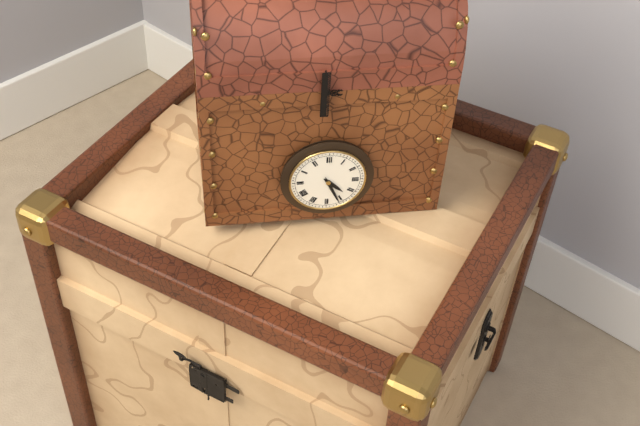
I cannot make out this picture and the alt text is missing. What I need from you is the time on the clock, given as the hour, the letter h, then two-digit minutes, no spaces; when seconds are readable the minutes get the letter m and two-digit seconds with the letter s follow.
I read 4h26
